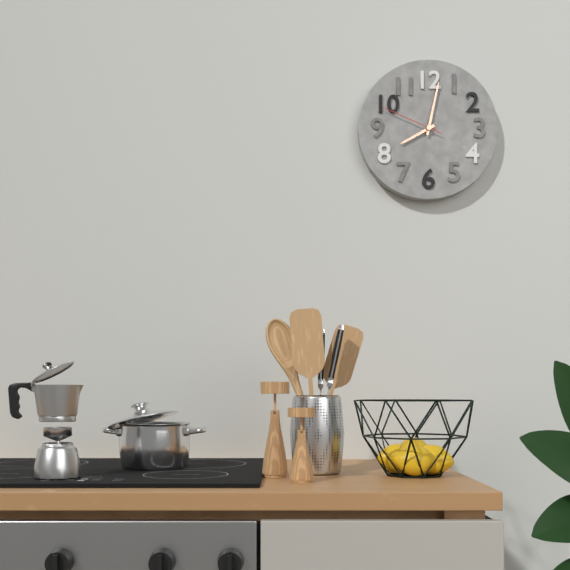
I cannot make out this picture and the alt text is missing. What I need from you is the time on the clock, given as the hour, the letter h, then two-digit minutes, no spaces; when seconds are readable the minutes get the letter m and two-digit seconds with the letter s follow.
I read 8h02m49s
